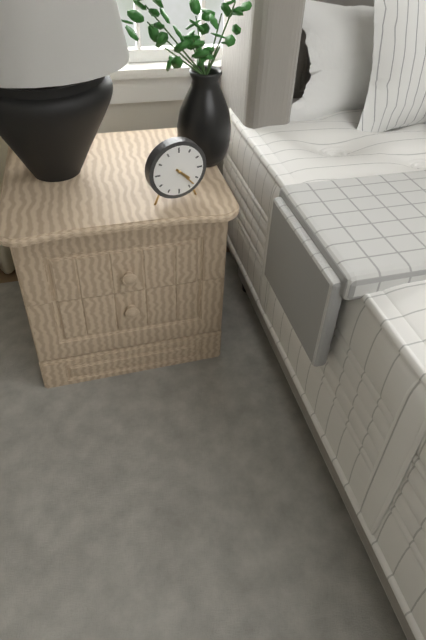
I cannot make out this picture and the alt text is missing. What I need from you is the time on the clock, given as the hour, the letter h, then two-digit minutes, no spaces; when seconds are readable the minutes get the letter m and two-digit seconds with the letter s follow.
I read 4h23
